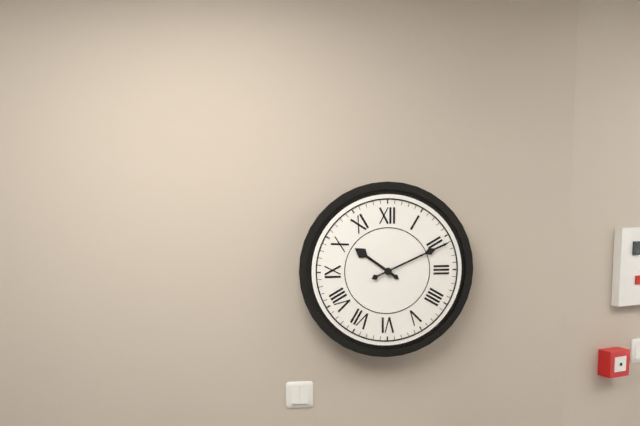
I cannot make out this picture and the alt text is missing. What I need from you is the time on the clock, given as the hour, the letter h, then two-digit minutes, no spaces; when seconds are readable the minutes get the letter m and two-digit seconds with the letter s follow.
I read 10h11
